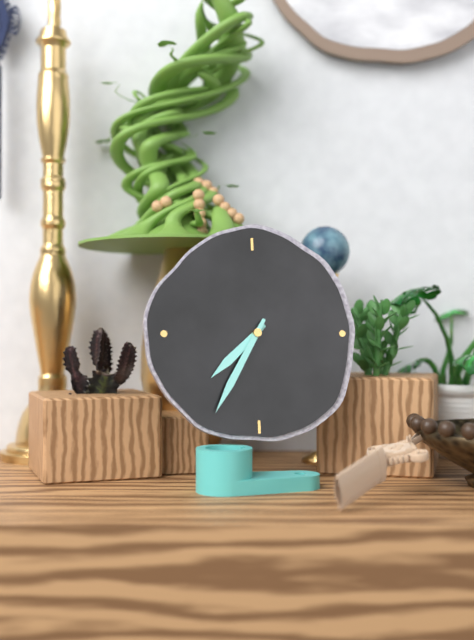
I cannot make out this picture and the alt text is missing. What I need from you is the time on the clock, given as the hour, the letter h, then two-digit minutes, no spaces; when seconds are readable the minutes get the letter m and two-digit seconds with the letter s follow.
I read 7h35
